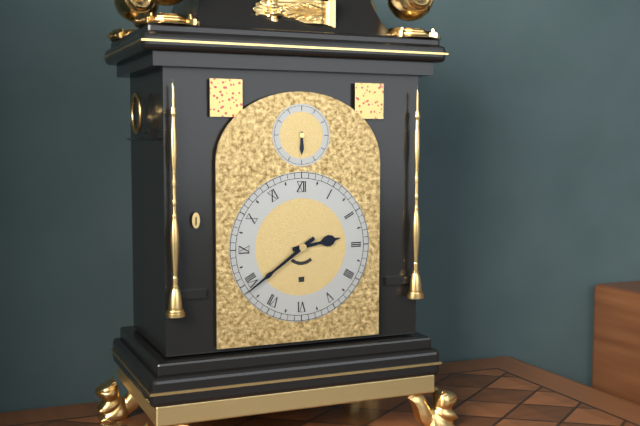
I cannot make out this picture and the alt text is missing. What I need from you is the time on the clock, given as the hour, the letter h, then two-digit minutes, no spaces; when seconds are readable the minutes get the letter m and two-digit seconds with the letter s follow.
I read 2h39
